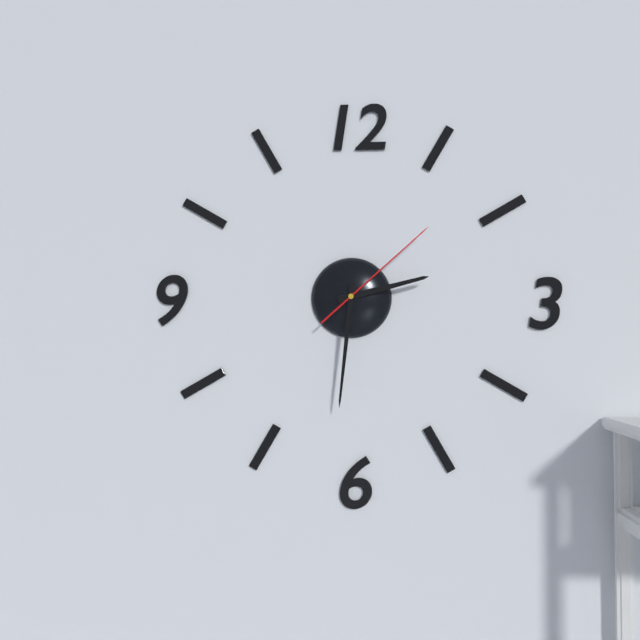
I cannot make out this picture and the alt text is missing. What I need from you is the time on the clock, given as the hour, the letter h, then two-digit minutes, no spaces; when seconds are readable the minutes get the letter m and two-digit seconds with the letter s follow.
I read 2h31m08s
